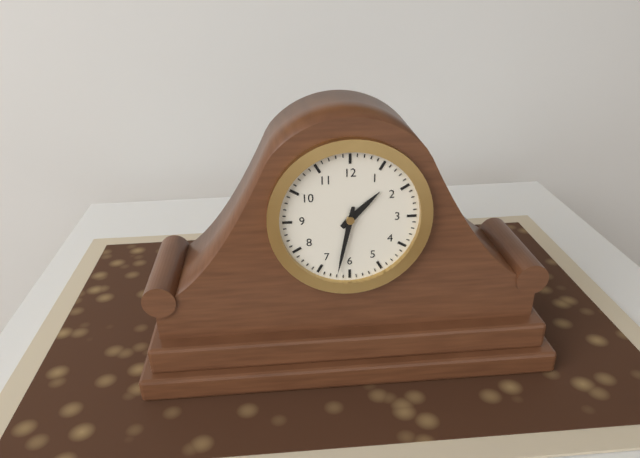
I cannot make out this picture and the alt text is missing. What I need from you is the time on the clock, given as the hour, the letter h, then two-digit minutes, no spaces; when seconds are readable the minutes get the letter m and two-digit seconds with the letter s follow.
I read 1h32
